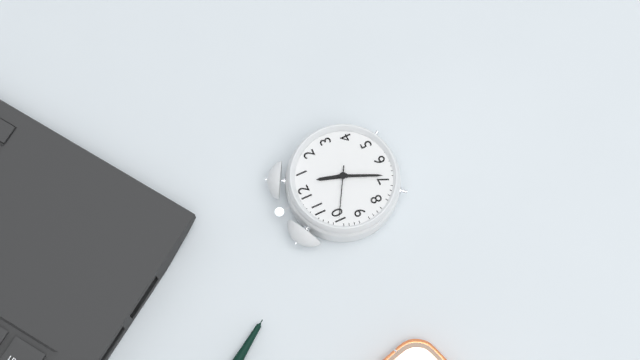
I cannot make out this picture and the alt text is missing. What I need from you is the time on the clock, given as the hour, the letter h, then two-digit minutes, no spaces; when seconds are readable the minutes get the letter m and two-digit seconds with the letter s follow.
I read 12h34m50s
